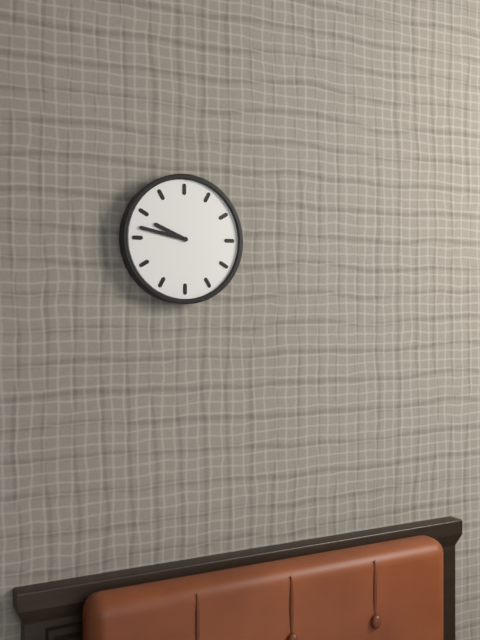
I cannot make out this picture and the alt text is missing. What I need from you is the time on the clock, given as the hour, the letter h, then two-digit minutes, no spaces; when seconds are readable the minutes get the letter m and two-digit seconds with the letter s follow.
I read 9h47
